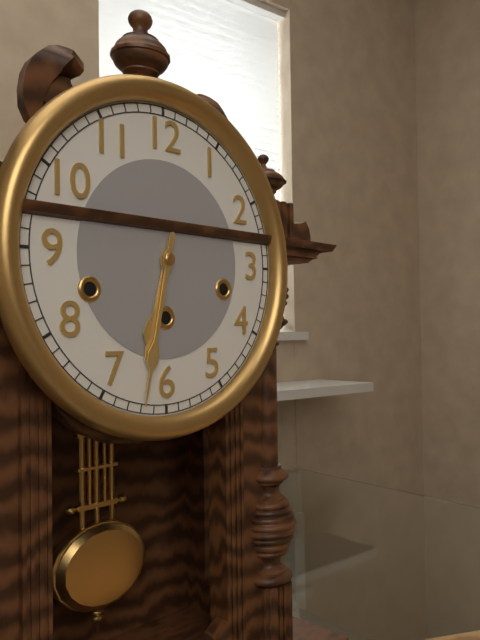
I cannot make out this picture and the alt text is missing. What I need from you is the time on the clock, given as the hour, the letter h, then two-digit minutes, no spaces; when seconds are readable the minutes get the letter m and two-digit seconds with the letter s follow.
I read 6h32
